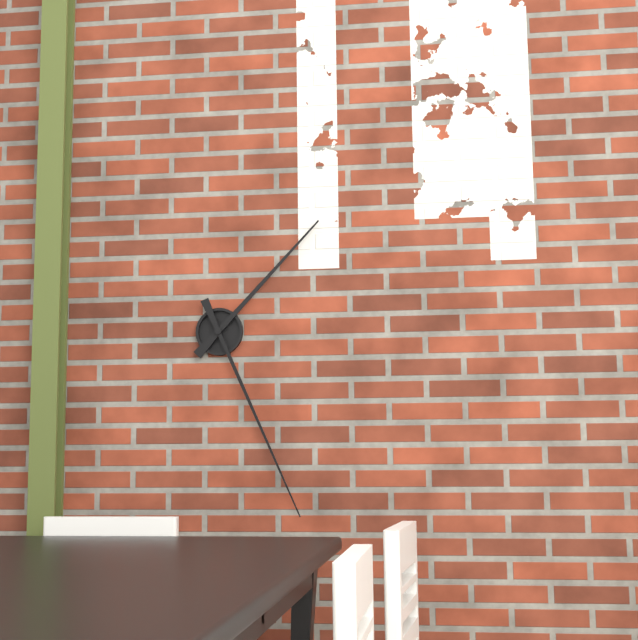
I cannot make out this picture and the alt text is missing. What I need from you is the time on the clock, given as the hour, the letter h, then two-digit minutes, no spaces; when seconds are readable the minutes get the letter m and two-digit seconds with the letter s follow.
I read 1h26
